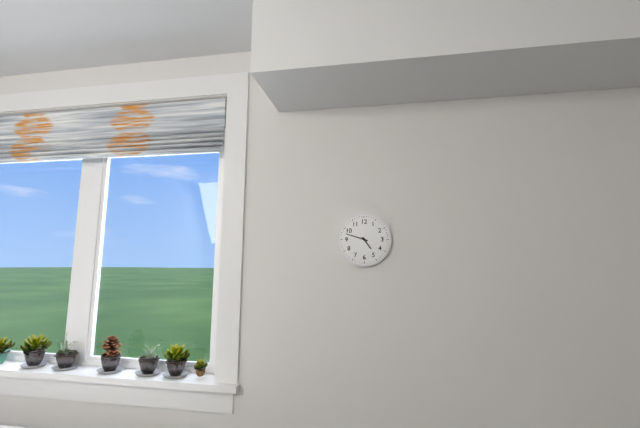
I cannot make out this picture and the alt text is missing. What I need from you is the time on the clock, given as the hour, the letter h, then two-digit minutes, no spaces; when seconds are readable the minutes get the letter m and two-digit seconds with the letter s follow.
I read 4h48
